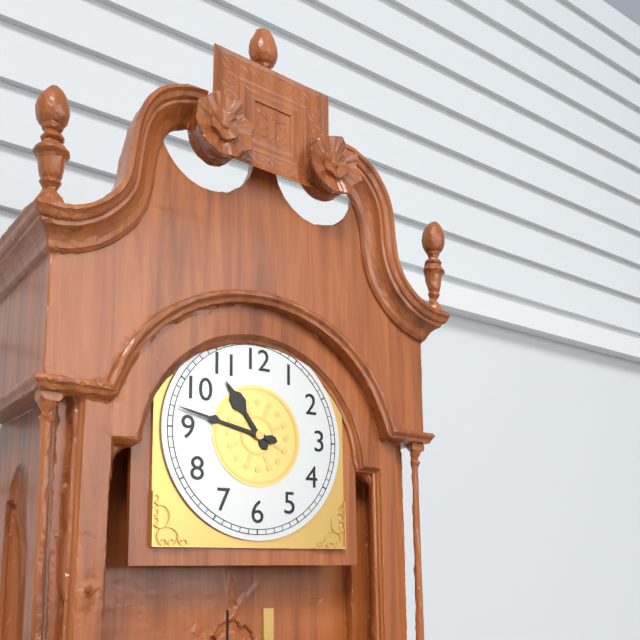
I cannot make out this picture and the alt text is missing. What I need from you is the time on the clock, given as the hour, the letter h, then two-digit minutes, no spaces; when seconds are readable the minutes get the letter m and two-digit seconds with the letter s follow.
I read 10h47
